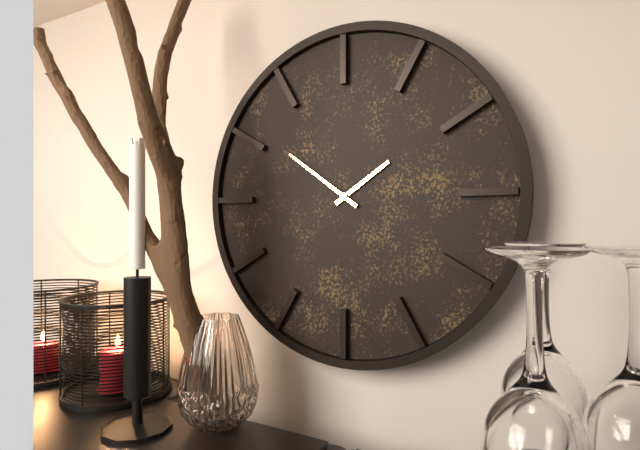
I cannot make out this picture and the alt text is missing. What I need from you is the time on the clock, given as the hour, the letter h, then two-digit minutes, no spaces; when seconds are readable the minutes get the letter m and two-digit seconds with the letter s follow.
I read 1h51
